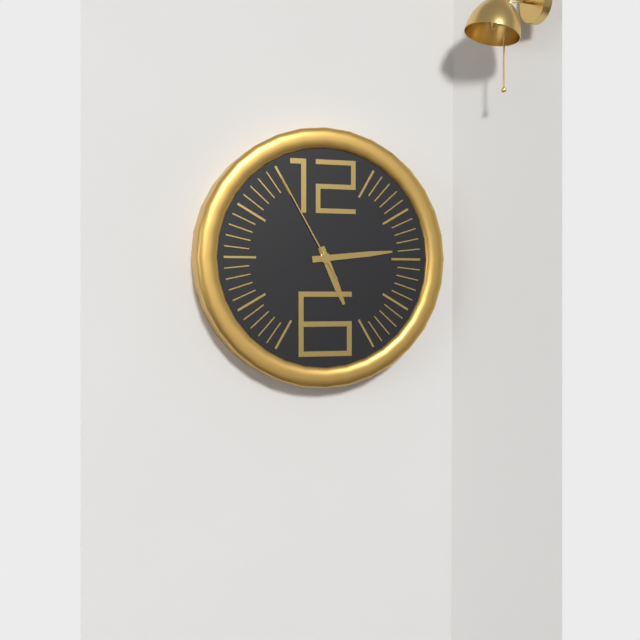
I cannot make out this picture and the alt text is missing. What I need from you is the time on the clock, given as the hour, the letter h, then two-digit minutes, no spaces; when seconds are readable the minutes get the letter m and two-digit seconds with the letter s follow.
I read 5h14m55s
